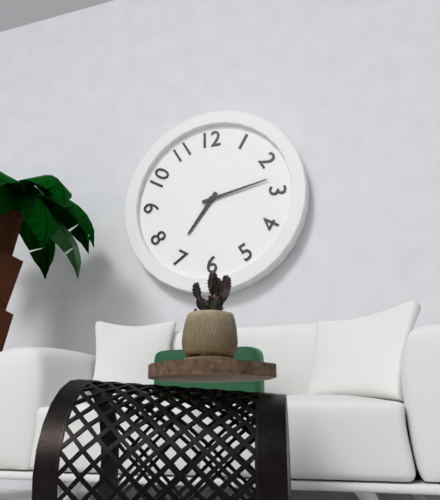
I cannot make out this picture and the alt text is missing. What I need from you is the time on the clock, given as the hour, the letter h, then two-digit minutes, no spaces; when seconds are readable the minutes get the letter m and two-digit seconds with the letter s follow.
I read 7h13
